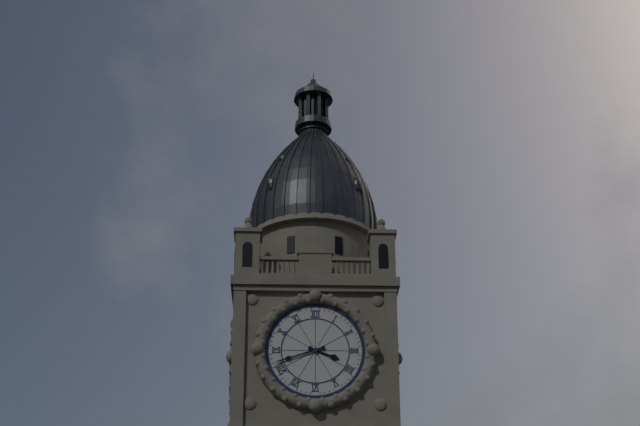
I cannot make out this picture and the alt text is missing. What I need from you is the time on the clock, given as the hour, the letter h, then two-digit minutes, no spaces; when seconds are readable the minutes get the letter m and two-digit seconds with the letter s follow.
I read 3h42
